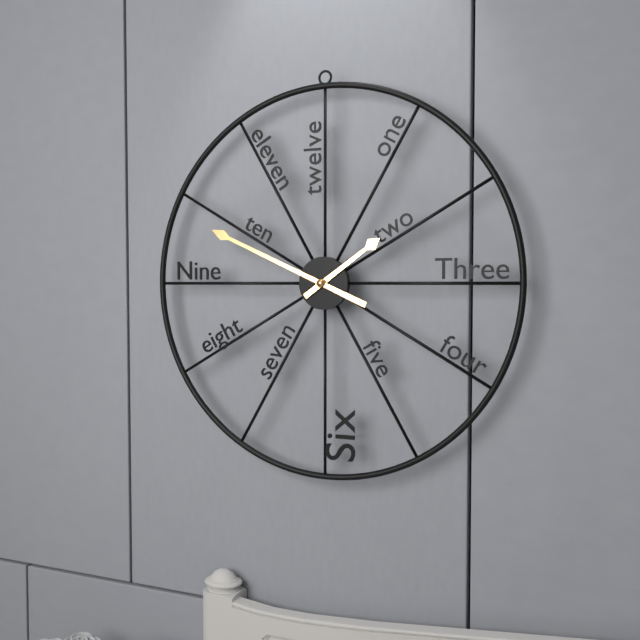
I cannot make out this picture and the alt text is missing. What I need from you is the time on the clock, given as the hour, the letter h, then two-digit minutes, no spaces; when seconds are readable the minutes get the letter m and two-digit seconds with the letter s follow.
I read 1h49
